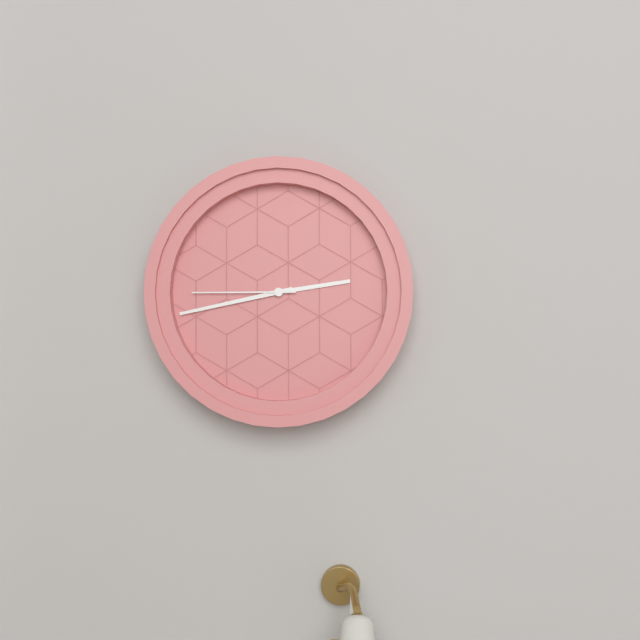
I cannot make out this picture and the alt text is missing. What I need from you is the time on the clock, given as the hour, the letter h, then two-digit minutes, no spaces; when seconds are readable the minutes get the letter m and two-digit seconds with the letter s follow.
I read 2h43m45s
